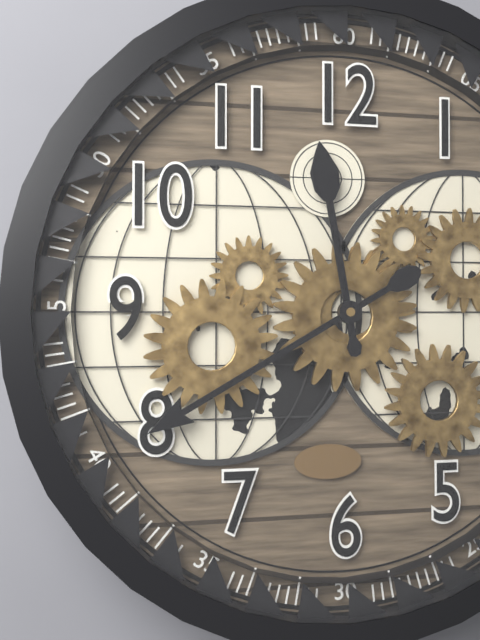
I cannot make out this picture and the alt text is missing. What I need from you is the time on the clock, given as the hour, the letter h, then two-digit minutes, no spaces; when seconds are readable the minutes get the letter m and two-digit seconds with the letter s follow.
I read 11h40
